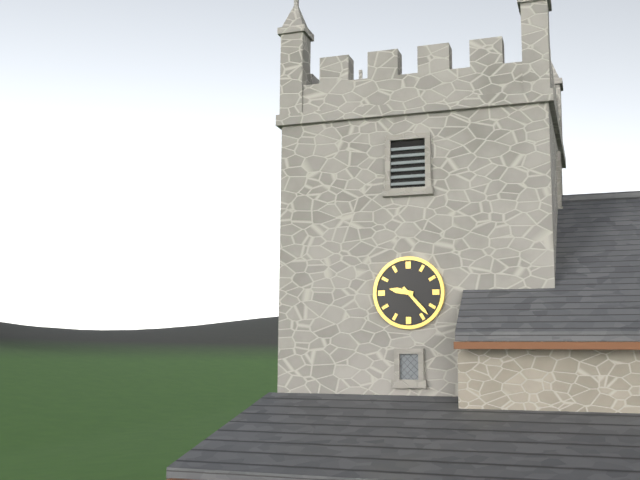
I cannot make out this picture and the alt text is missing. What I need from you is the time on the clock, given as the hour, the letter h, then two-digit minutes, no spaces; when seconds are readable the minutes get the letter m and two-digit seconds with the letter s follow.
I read 9h23
